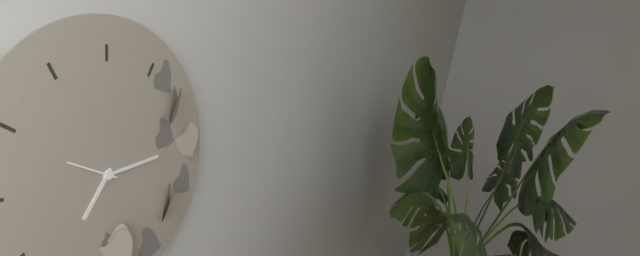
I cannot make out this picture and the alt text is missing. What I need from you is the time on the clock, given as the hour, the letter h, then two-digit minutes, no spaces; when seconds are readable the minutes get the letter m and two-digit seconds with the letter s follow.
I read 7h14m49s
